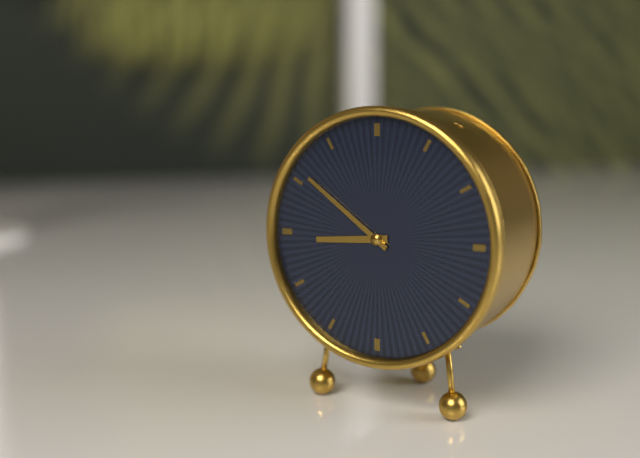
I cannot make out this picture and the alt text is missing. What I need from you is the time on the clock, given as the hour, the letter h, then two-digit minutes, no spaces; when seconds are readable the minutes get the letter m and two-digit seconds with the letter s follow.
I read 8h51
